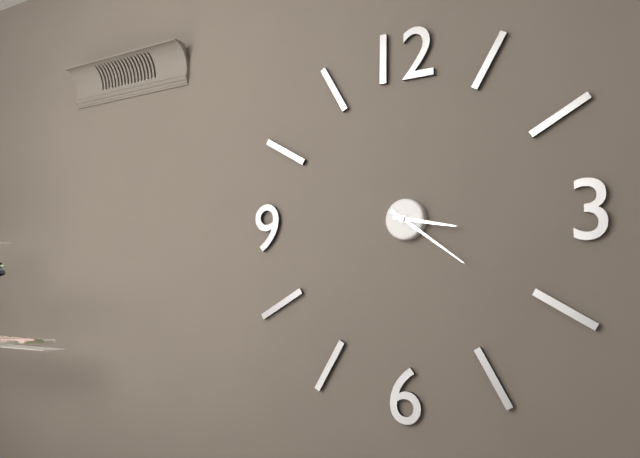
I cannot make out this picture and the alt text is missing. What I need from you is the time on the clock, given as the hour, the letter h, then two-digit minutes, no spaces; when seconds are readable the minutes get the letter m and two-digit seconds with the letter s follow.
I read 3h21
